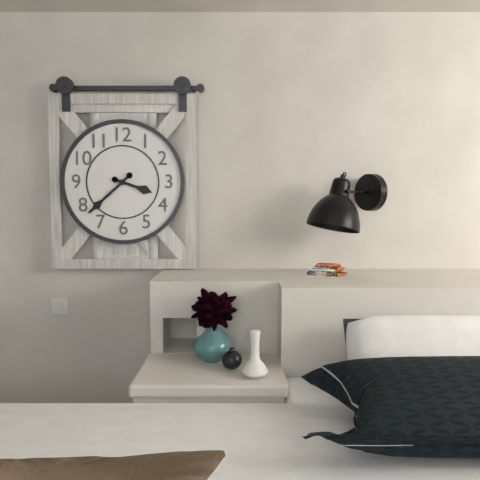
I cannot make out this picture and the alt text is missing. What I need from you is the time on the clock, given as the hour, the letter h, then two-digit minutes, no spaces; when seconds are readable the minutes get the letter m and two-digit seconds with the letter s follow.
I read 3h38
